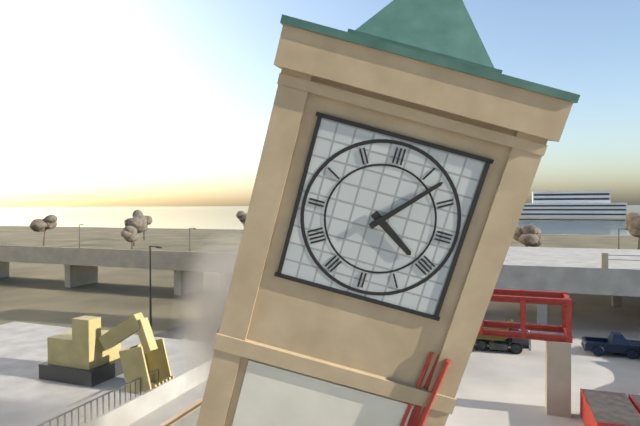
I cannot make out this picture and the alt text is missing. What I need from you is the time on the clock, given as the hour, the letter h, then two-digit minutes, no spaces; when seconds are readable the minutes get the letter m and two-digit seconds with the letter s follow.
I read 4h07
